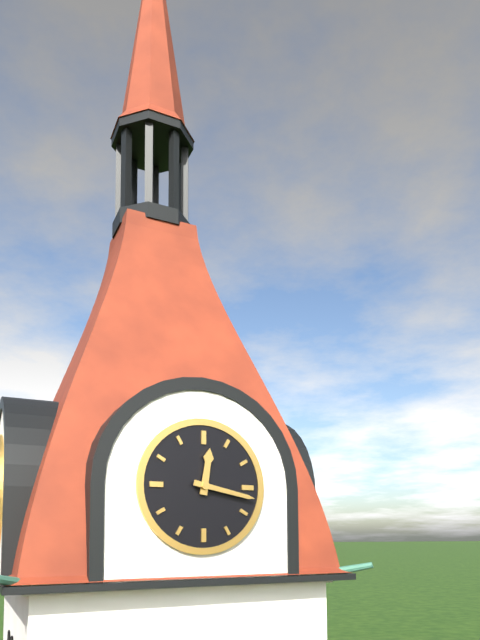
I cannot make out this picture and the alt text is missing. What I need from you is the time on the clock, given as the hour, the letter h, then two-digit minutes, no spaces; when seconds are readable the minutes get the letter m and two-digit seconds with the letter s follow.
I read 12h17
